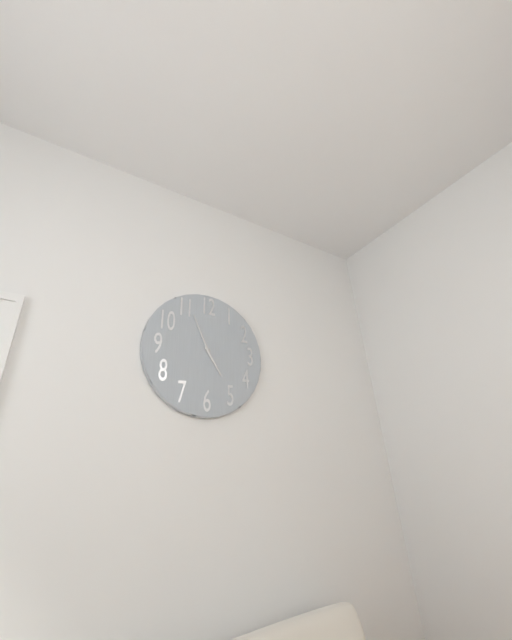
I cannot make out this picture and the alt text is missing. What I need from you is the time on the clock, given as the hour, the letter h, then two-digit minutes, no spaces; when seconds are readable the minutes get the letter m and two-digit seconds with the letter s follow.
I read 4h56
